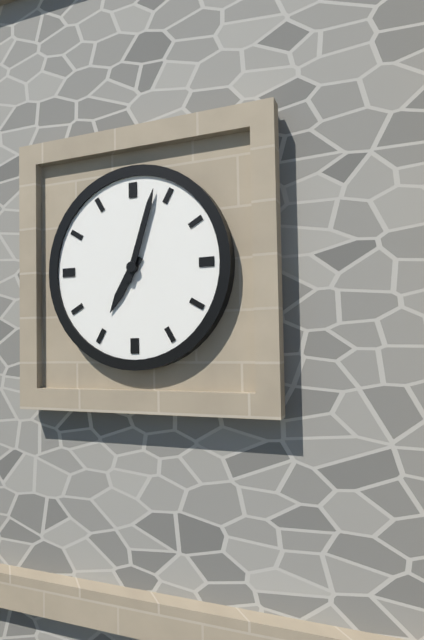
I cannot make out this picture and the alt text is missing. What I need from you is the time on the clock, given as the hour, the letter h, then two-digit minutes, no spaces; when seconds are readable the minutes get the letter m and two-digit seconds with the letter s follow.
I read 7h03
